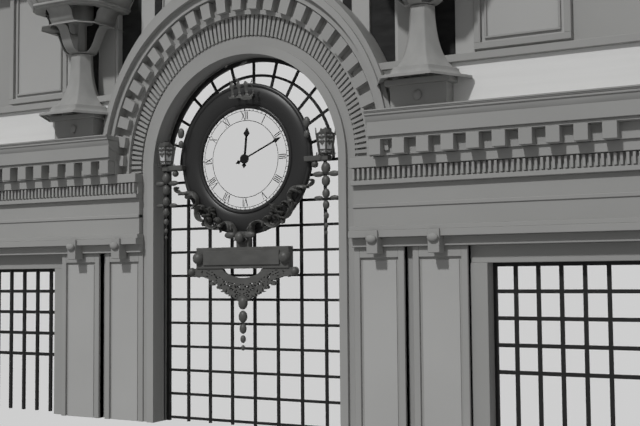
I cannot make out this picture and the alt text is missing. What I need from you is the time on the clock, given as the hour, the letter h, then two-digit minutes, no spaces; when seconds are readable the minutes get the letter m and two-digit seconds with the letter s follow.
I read 12h11
